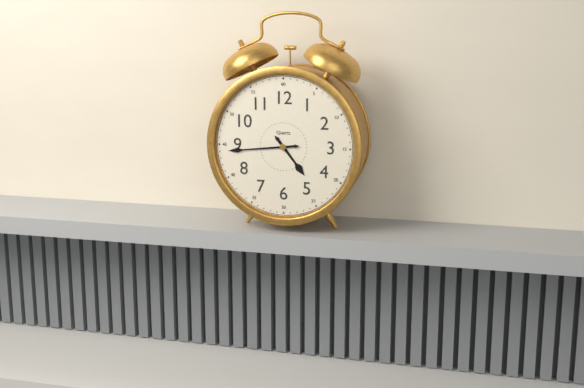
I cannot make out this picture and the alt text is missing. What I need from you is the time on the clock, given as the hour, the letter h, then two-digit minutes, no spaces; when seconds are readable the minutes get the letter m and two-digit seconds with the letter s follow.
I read 4h44
